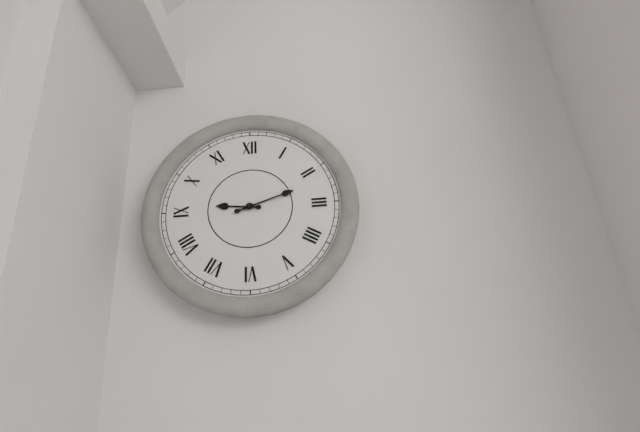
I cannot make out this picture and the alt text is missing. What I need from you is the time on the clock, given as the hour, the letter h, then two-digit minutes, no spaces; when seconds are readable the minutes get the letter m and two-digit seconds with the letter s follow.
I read 9h12
